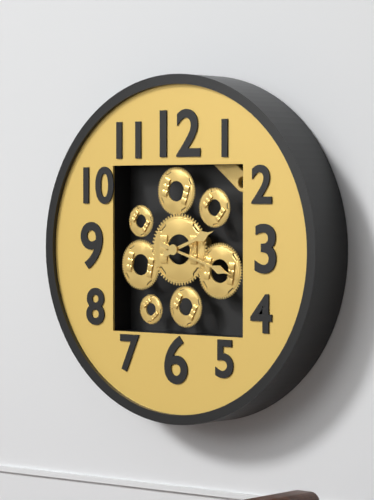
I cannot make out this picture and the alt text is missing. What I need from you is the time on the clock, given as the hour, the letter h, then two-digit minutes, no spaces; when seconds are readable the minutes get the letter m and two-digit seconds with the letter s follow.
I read 2h18
